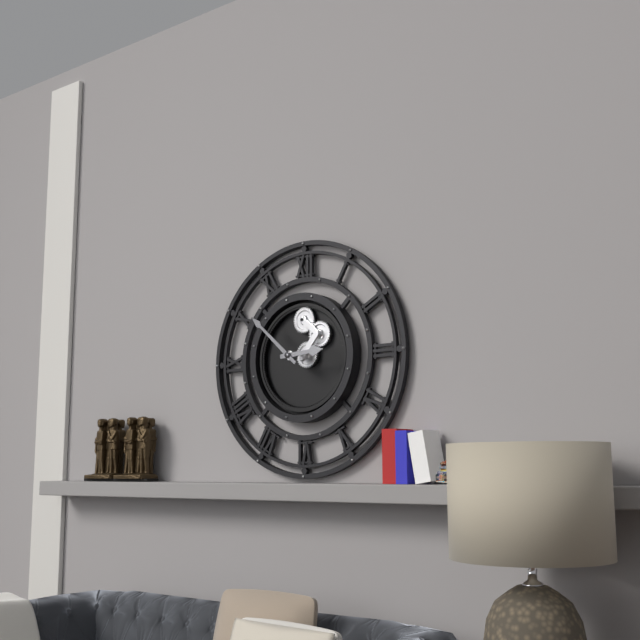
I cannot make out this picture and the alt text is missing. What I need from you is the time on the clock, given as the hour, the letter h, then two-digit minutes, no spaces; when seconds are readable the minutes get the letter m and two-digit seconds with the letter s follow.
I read 2h52
